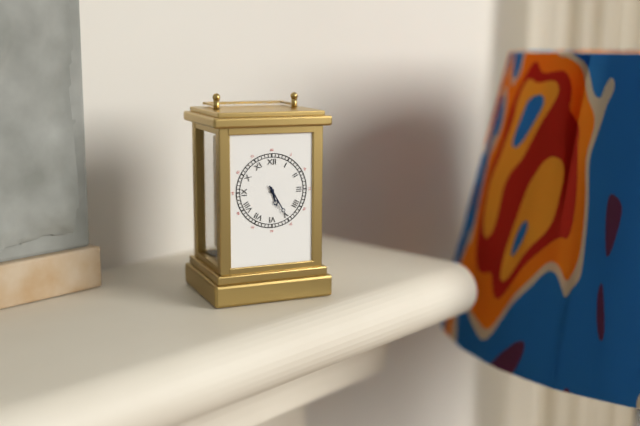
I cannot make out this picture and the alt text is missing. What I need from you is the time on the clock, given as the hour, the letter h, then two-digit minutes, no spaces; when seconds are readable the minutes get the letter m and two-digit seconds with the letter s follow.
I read 5h25
